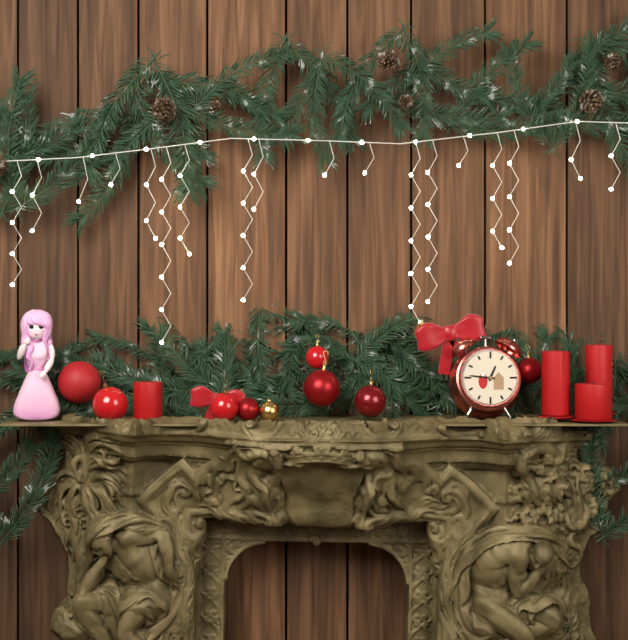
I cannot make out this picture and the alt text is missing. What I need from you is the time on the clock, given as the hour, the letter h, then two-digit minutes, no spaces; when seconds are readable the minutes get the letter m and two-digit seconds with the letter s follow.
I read 12h46
